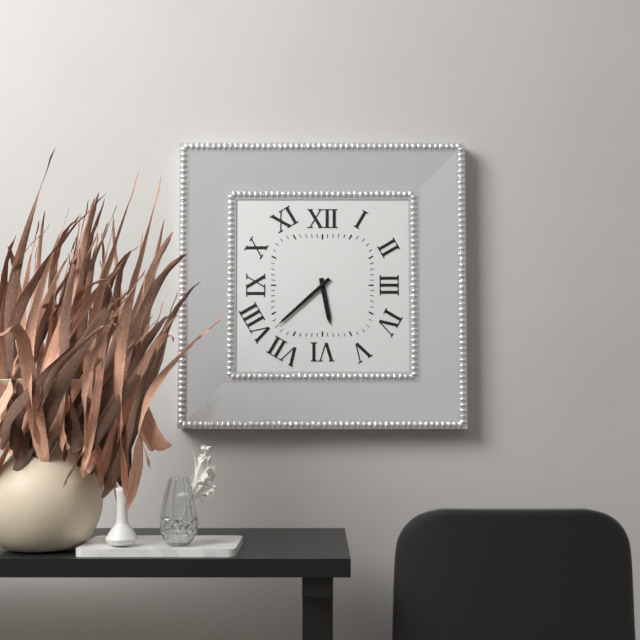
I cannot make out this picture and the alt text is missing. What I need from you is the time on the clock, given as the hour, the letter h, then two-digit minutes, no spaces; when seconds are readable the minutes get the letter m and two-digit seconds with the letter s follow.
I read 5h38
